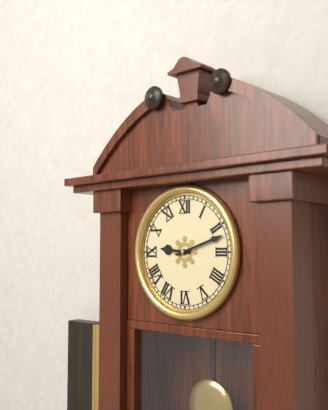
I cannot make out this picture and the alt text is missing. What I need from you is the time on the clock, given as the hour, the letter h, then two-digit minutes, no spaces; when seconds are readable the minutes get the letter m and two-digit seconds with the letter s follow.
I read 9h12
